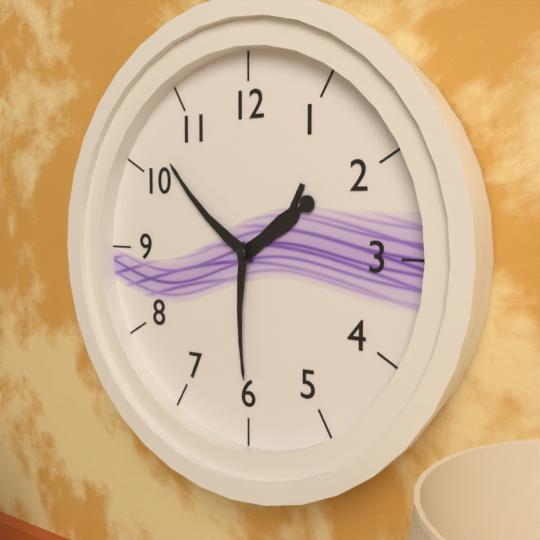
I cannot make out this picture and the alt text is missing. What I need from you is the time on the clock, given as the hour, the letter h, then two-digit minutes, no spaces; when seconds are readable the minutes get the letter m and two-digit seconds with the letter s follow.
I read 1h52m30s
